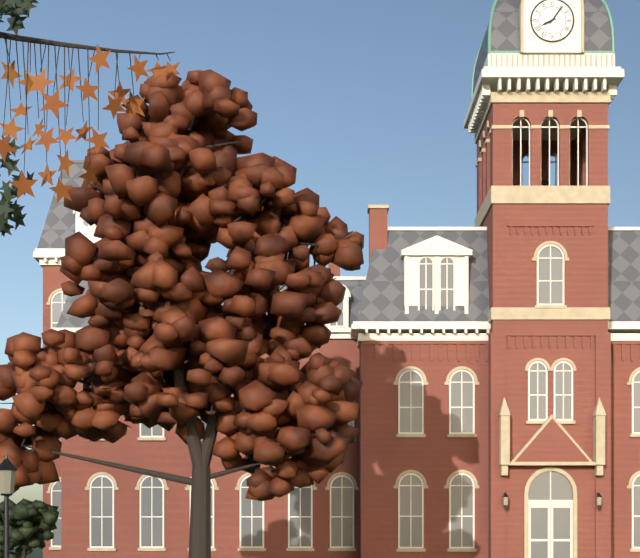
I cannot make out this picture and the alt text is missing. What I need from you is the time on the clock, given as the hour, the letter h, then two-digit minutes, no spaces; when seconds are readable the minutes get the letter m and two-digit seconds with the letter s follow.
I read 8h06
